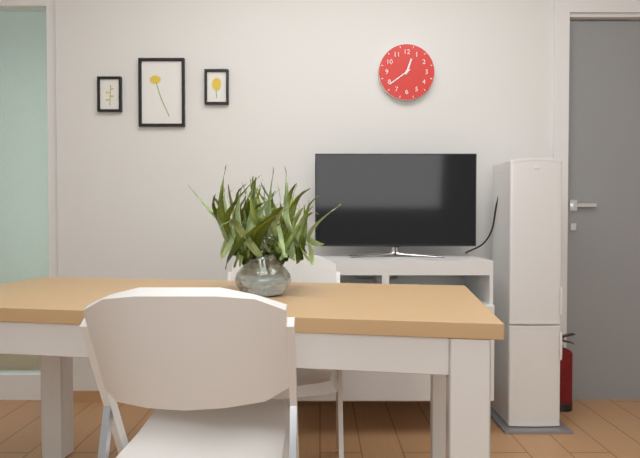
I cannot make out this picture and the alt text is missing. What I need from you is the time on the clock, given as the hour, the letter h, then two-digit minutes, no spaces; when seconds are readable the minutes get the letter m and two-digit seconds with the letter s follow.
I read 12h39
